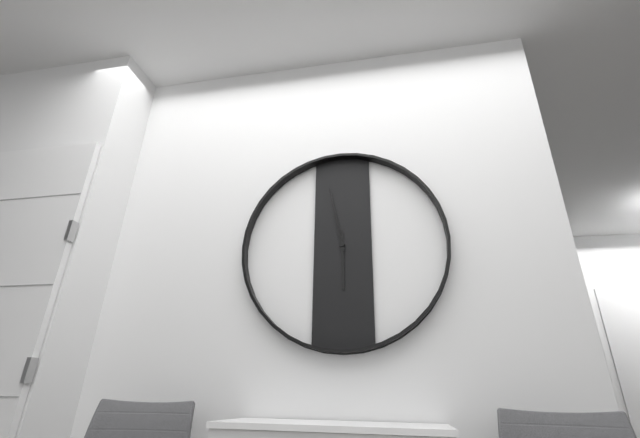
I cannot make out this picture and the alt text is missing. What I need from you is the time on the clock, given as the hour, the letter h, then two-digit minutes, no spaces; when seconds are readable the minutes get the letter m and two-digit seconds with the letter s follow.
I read 5h58
